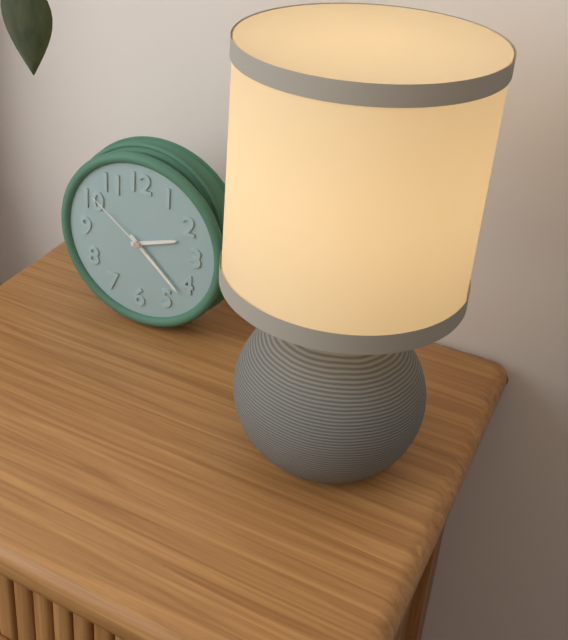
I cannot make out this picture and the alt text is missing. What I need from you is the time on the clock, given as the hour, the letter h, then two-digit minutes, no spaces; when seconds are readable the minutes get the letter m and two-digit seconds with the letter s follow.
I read 2h22m51s
